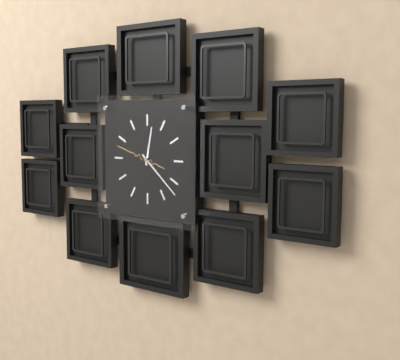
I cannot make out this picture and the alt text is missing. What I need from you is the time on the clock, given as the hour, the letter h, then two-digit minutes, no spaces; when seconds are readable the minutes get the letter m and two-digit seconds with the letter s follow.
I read 12h22
